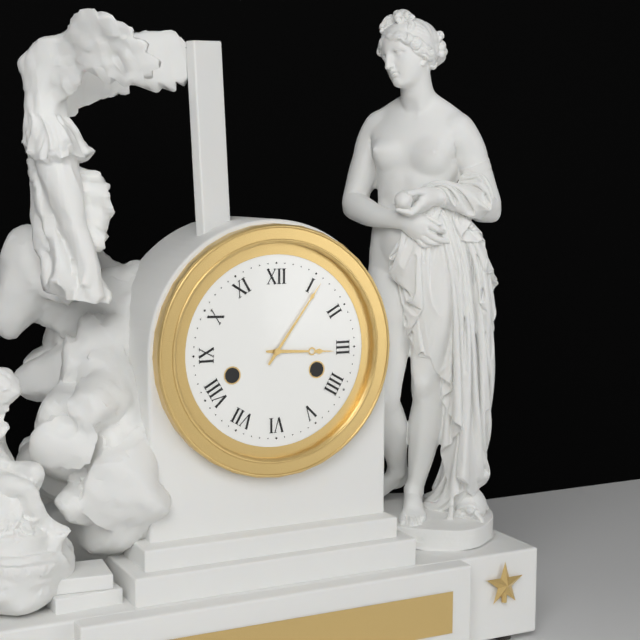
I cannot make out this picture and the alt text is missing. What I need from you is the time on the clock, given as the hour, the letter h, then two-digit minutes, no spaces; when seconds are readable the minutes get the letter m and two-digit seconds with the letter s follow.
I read 3h06
